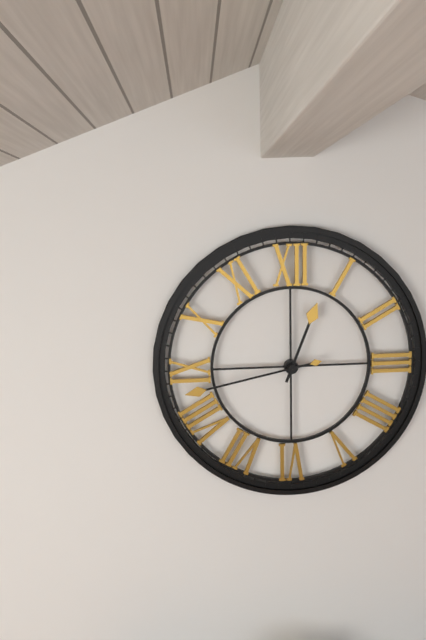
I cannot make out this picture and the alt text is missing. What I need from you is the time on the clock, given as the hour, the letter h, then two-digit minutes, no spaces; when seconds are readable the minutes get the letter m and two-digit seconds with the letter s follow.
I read 12h43
